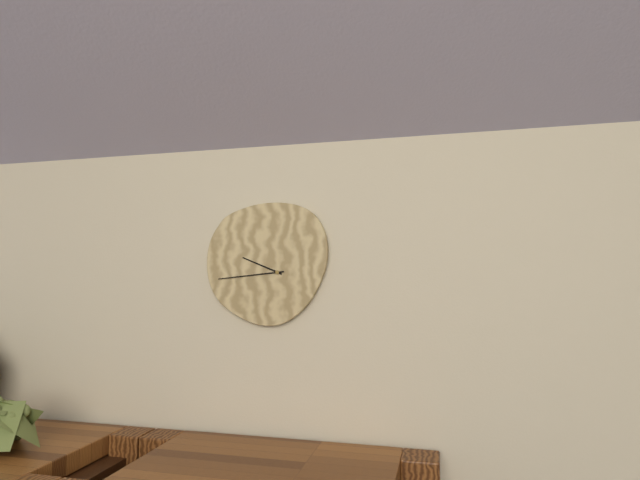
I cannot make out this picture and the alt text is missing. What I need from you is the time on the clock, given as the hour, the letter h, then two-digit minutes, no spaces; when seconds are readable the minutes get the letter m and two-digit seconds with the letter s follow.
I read 9h44
